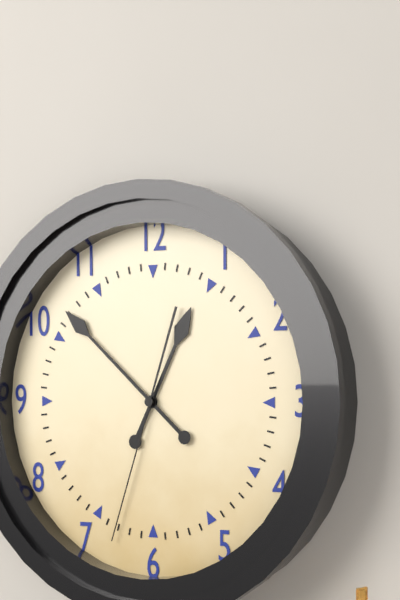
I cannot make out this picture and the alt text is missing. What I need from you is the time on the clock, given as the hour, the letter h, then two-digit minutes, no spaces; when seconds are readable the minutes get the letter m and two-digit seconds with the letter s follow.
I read 12h52m33s
